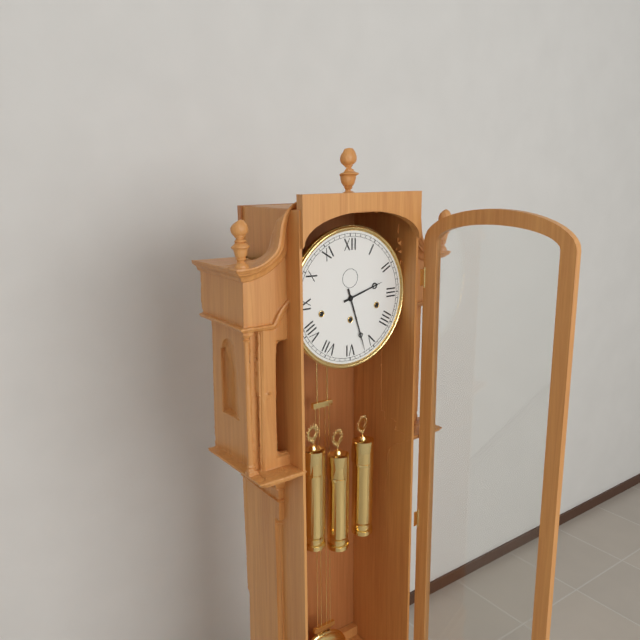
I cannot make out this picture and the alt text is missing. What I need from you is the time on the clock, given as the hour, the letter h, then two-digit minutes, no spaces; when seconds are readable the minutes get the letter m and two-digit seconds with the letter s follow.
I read 2h27
